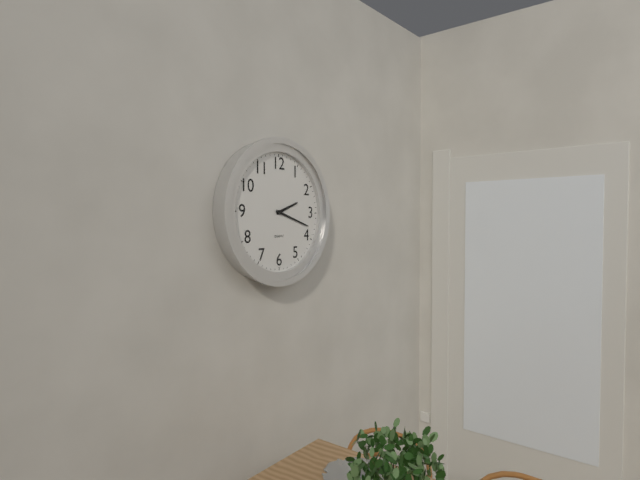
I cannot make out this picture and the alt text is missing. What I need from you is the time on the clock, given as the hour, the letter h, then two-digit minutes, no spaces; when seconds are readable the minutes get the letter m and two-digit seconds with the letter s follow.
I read 2h18
